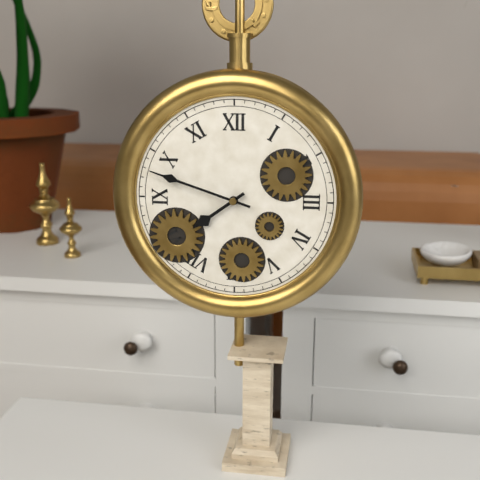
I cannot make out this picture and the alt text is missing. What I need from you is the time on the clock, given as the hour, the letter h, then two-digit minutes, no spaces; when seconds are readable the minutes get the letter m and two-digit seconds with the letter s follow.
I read 7h48
